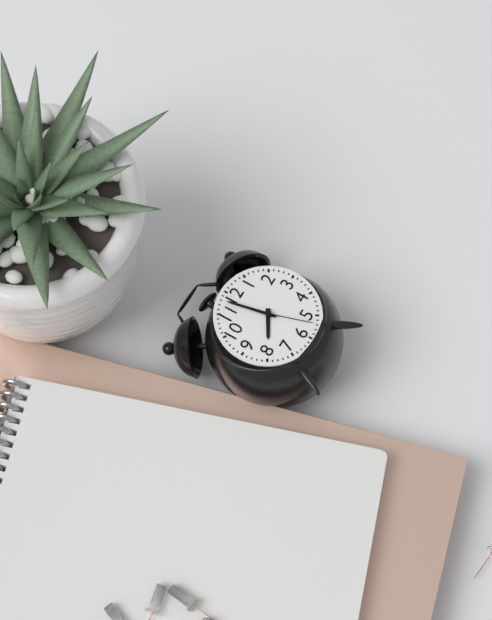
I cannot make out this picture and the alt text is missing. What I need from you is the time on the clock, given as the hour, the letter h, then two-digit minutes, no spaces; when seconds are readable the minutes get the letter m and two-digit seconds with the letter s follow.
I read 7h58m27s
